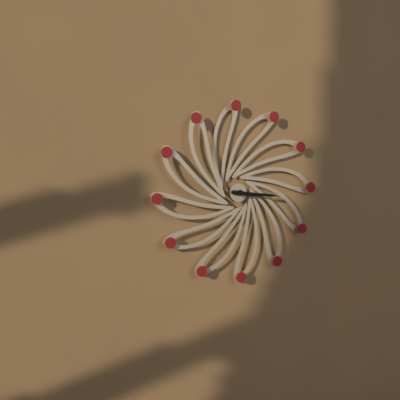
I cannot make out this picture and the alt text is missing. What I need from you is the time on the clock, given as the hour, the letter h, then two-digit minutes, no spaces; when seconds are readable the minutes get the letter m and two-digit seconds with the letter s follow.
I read 3h16
